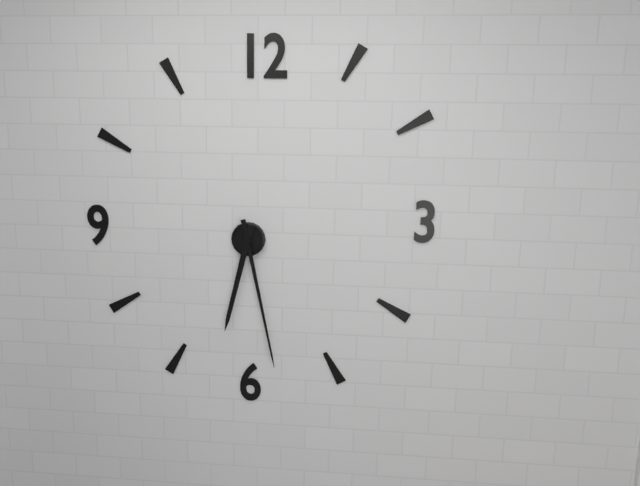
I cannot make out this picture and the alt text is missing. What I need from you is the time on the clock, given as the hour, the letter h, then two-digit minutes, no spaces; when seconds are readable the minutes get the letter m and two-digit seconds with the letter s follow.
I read 6h28
